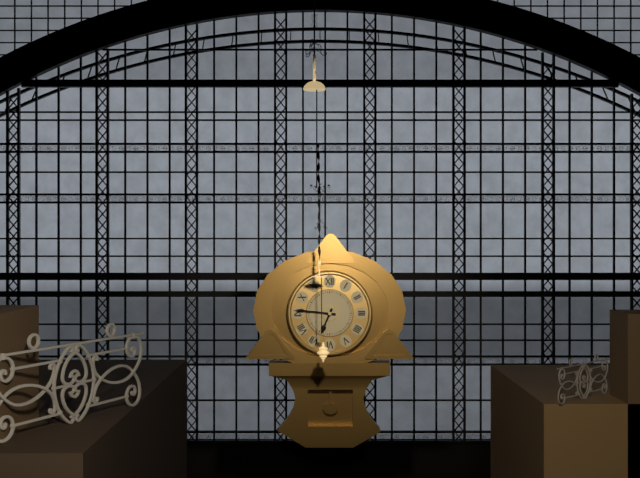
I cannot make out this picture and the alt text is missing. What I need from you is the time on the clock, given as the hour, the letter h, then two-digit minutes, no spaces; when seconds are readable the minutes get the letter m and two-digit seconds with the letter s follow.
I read 6h46
